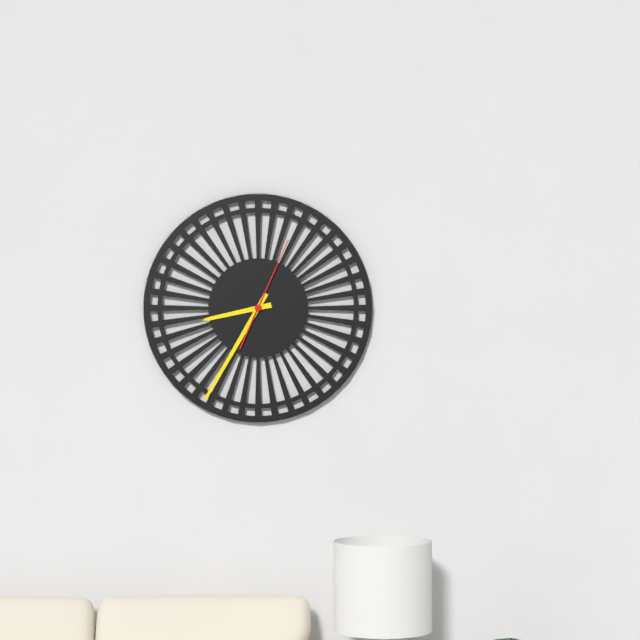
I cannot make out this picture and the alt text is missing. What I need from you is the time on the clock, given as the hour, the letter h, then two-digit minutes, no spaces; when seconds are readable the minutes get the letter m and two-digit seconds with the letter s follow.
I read 8h35m04s
